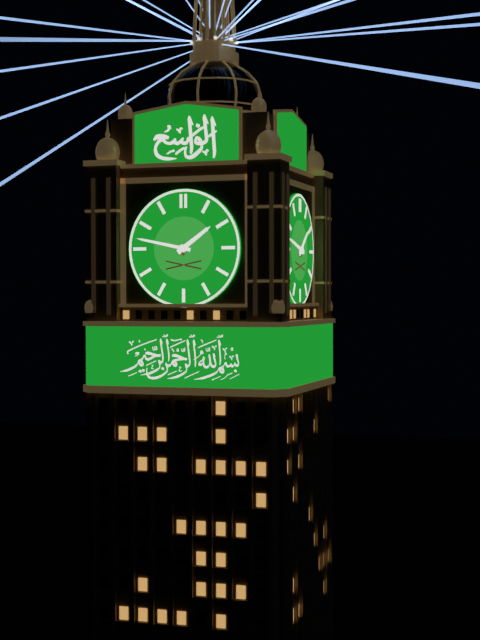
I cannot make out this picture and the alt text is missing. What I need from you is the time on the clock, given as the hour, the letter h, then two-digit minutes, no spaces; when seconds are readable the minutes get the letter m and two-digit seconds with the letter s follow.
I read 1h47
